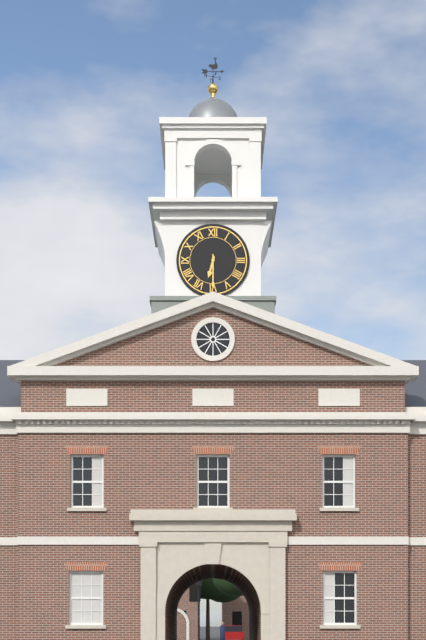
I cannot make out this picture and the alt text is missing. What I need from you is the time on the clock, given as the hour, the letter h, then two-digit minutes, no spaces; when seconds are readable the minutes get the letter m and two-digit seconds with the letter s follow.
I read 6h30
